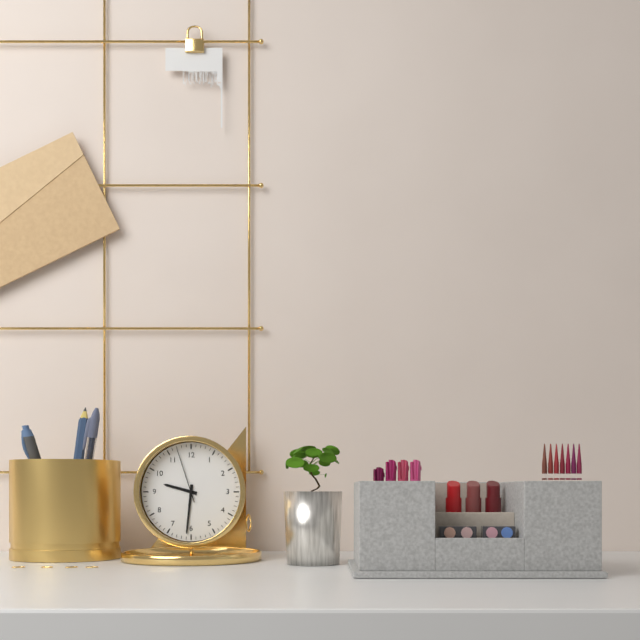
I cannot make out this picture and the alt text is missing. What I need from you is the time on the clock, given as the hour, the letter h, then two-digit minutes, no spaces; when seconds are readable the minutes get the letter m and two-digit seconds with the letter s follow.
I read 9h31m57s
